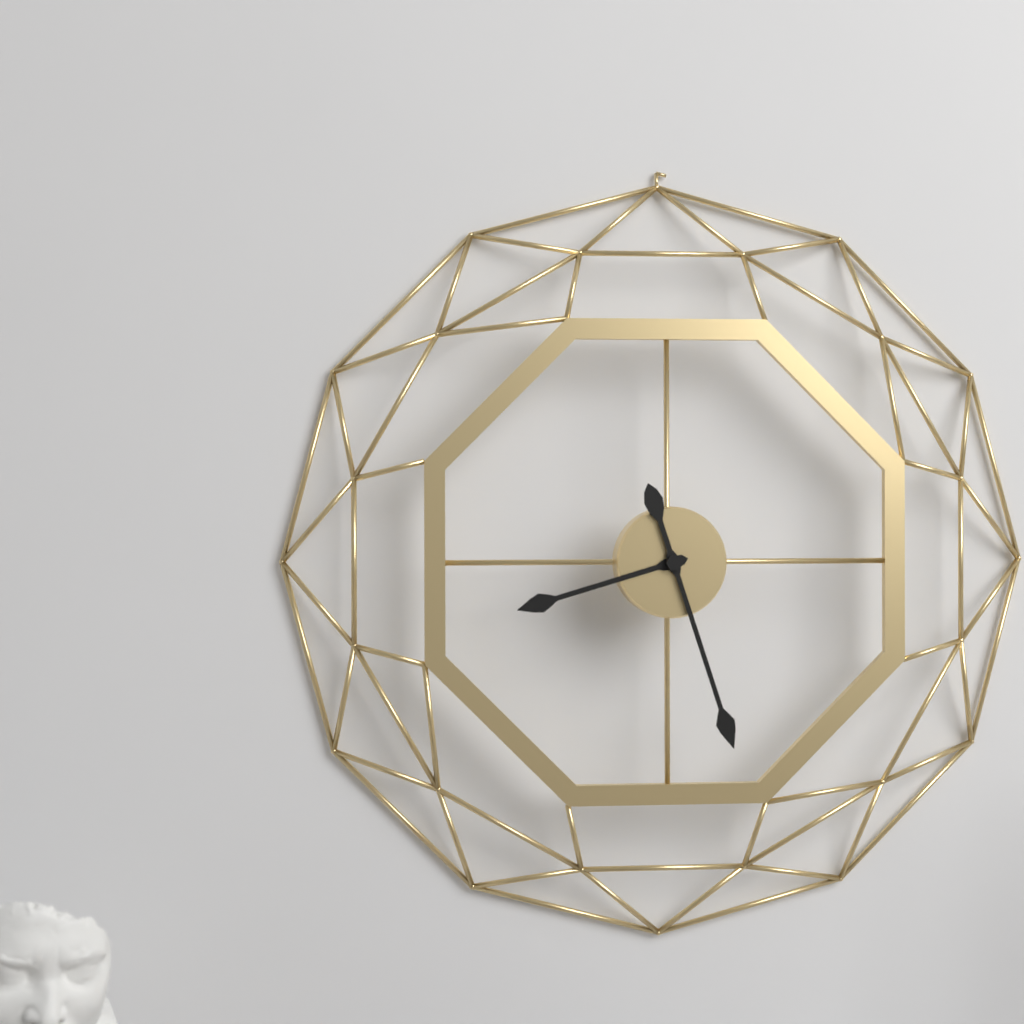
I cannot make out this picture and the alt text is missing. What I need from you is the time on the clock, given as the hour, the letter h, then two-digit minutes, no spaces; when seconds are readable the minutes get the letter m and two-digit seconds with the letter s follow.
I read 8h27
